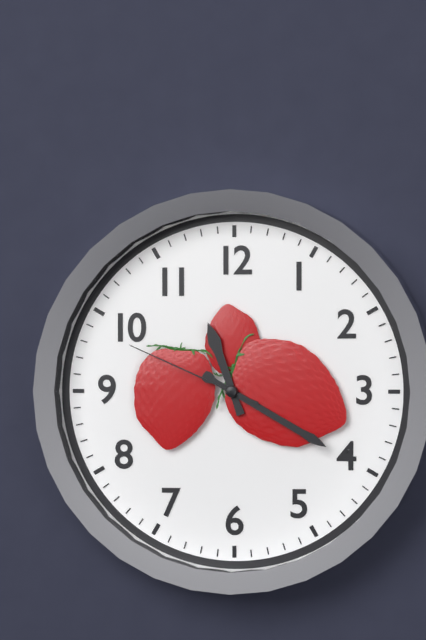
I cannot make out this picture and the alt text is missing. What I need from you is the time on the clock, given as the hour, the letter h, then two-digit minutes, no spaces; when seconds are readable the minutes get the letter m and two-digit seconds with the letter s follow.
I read 11h20m49s
